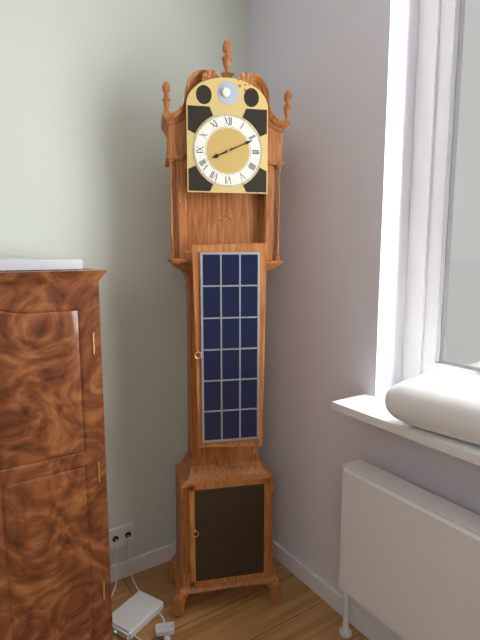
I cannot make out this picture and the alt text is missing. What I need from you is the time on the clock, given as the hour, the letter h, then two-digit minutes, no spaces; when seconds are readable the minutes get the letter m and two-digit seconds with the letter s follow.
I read 8h11
